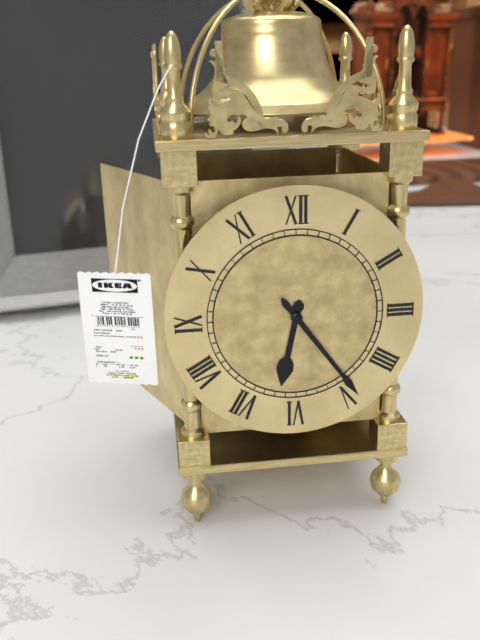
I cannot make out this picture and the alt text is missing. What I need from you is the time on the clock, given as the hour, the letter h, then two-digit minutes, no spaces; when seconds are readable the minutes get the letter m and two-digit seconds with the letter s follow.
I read 6h24
